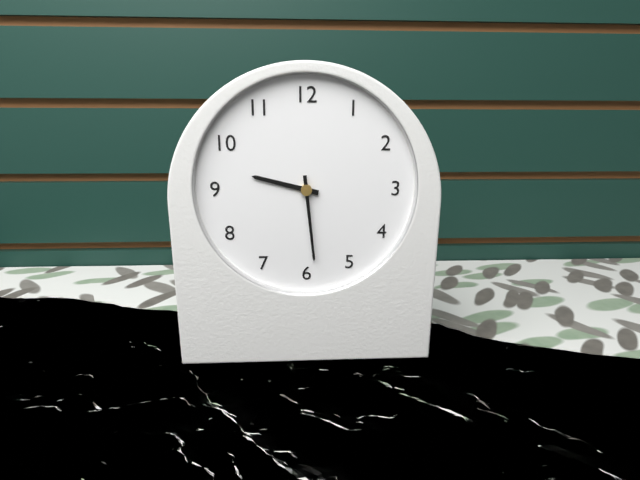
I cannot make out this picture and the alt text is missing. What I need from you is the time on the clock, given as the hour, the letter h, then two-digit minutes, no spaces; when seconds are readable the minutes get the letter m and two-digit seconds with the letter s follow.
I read 9h29
